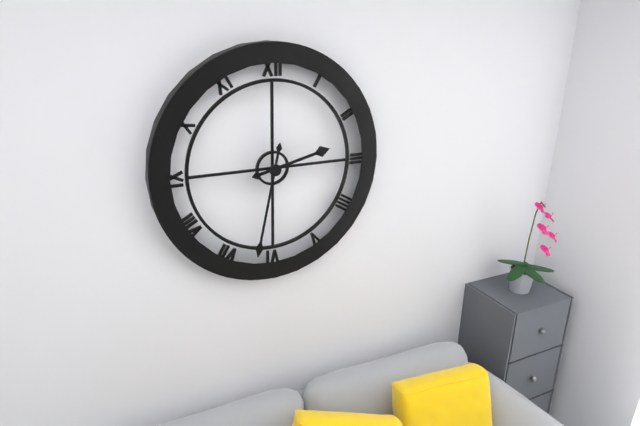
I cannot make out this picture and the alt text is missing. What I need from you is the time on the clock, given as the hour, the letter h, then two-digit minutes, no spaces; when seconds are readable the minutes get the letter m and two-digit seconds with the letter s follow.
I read 2h32
